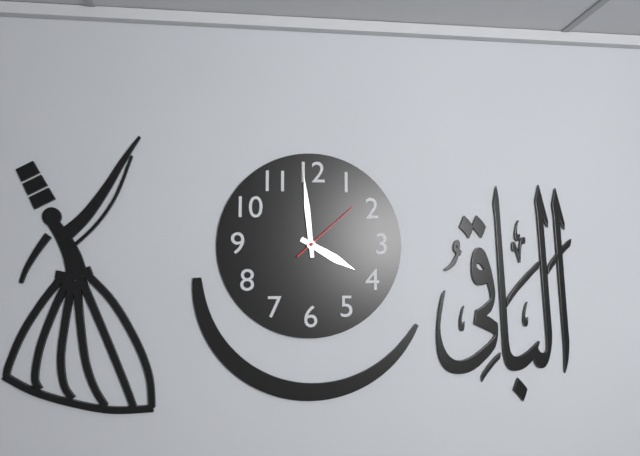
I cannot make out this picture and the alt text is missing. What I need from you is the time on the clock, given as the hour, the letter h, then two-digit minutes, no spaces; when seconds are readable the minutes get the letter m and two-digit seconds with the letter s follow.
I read 3h59m08s
